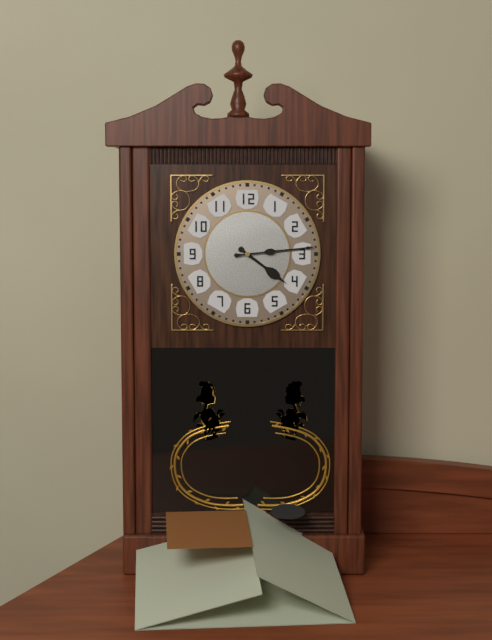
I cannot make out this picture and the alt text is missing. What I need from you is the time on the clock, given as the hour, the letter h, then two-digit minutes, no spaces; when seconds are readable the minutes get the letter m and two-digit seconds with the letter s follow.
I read 4h14
